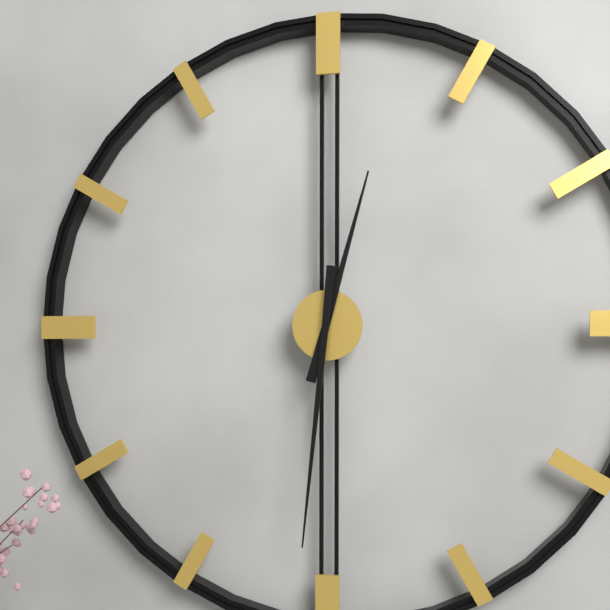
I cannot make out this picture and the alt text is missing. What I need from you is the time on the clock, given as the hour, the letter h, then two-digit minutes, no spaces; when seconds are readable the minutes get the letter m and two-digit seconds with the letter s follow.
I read 12h31
